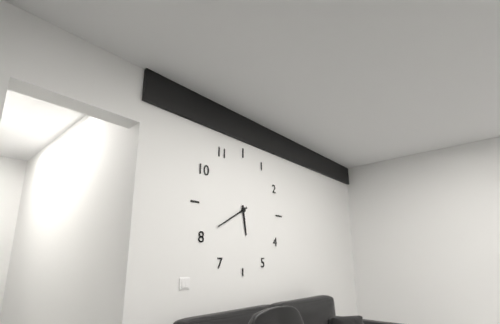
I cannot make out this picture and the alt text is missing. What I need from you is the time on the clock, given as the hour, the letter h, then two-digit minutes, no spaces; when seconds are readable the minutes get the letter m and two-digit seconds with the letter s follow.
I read 5h40
